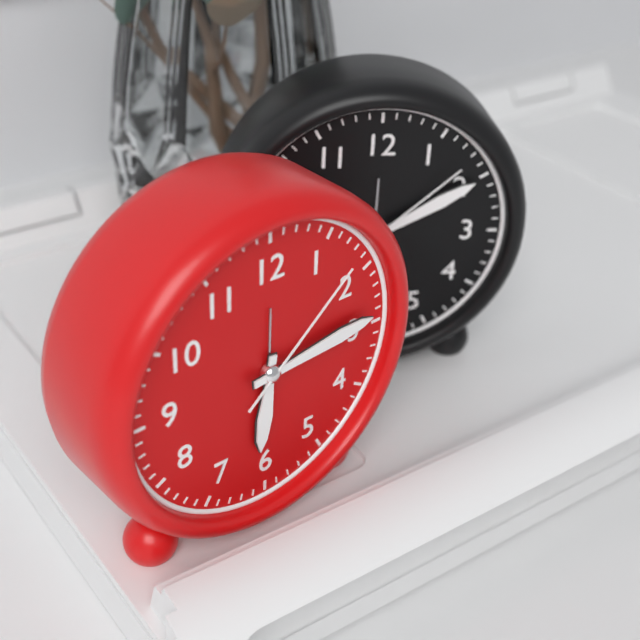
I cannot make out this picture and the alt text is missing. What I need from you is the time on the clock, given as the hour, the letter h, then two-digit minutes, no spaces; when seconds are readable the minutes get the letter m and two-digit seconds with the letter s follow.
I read 6h14m08s
